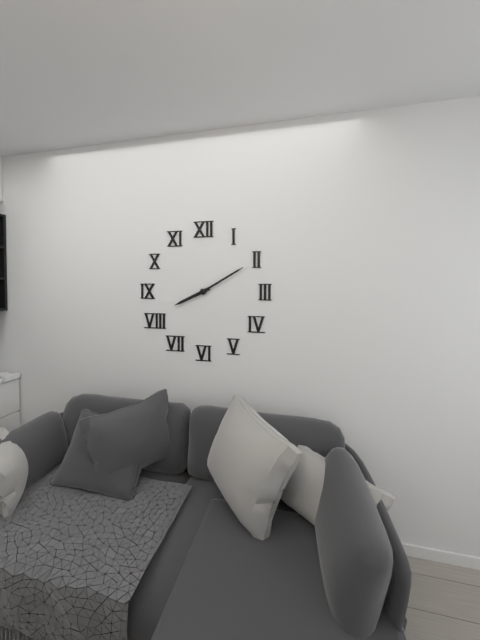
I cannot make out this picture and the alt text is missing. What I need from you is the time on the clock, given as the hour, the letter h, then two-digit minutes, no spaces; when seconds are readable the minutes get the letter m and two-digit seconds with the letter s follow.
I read 8h10
